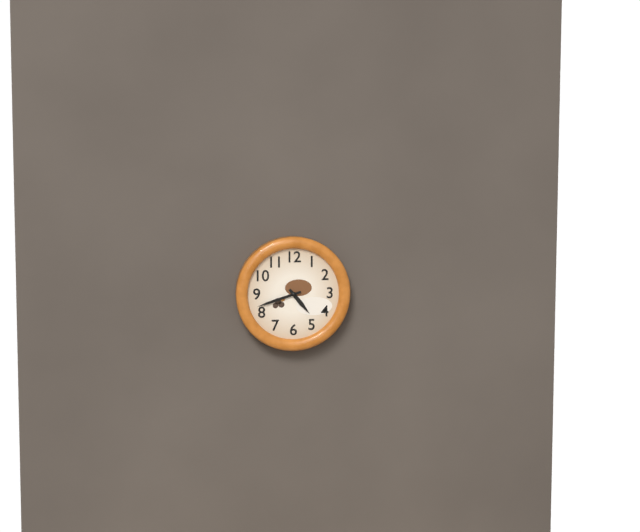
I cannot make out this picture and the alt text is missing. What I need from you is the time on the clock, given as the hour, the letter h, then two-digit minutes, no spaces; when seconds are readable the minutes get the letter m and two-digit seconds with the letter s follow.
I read 4h42
